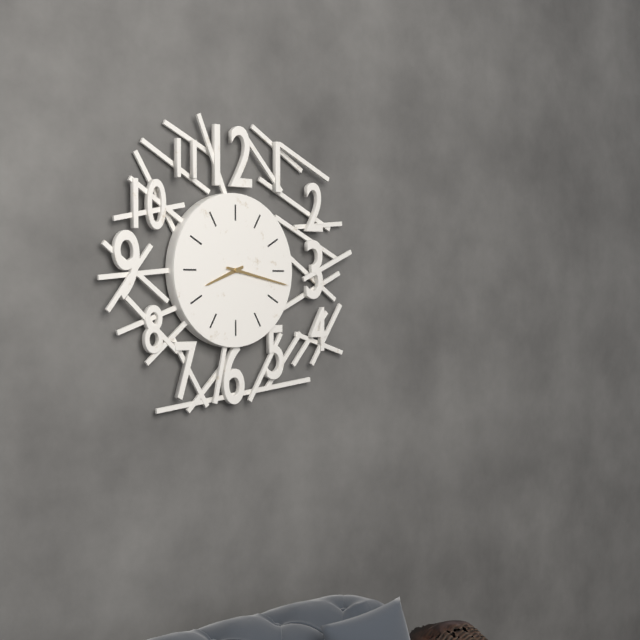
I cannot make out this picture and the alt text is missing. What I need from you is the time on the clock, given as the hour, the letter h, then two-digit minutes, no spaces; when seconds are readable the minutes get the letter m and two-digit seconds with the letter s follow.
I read 8h17
